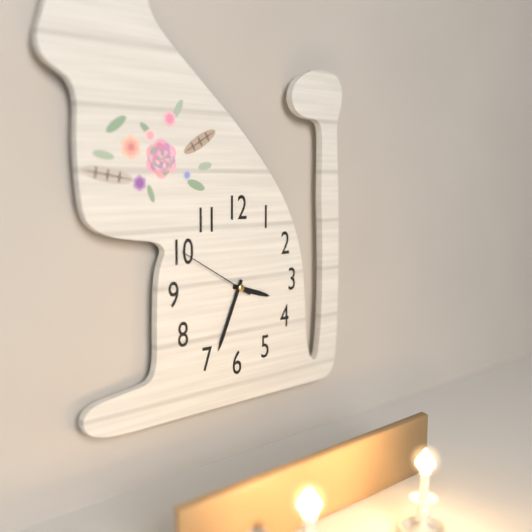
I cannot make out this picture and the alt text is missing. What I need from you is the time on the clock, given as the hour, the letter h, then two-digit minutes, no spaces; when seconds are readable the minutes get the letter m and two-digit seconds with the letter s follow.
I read 3h34m50s
